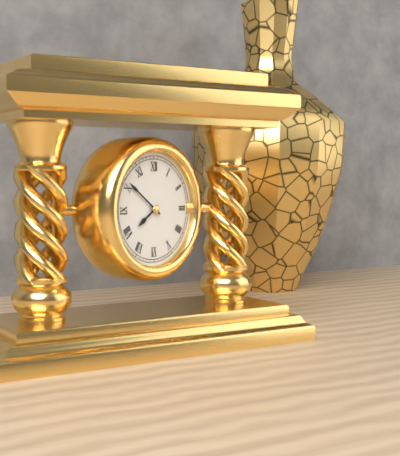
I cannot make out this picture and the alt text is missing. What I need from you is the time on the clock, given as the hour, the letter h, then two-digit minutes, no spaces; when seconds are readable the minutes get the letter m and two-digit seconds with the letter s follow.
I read 7h51
